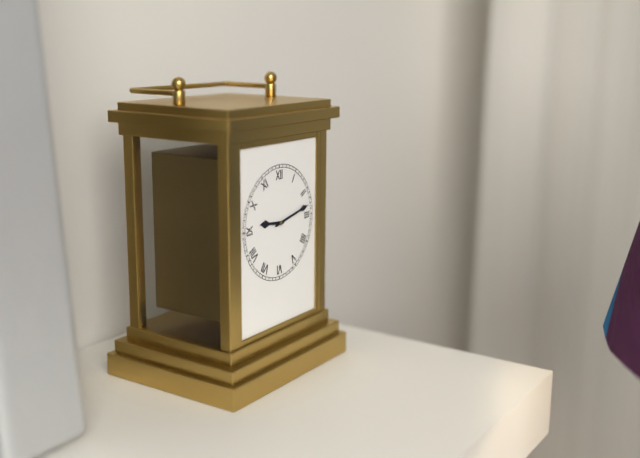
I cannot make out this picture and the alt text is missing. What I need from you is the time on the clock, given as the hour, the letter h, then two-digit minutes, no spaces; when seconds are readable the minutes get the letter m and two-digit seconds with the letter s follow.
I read 9h13
